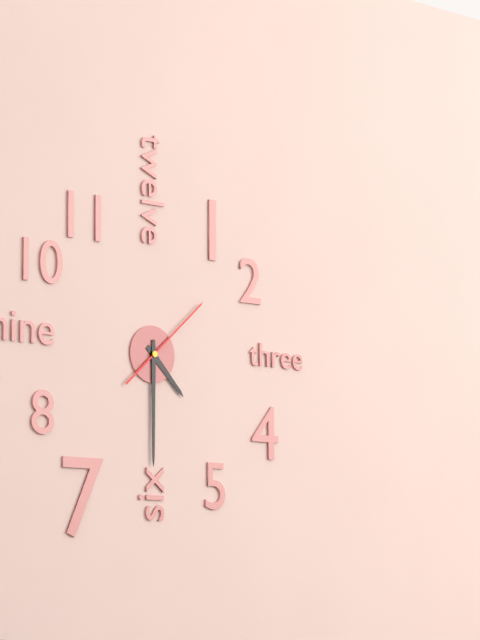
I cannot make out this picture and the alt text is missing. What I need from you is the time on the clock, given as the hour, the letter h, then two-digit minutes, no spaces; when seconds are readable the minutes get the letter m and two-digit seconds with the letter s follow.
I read 4h30m08s
